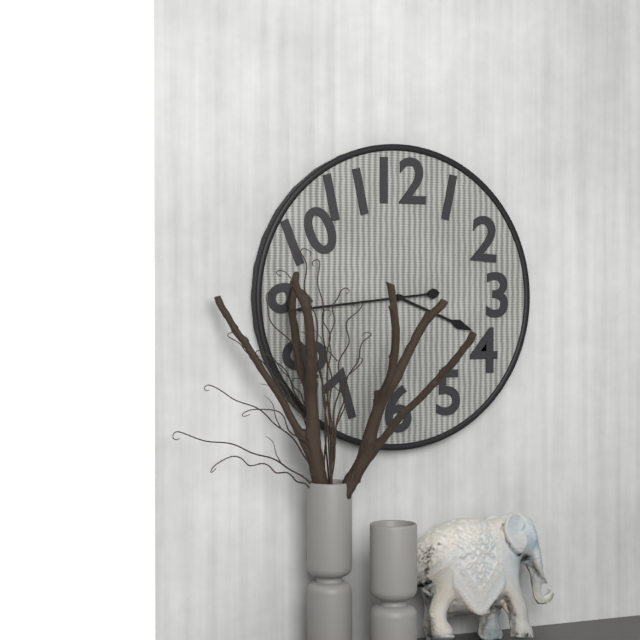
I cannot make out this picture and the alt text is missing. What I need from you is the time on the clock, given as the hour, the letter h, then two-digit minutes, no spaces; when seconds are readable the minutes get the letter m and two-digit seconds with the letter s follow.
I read 3h44
